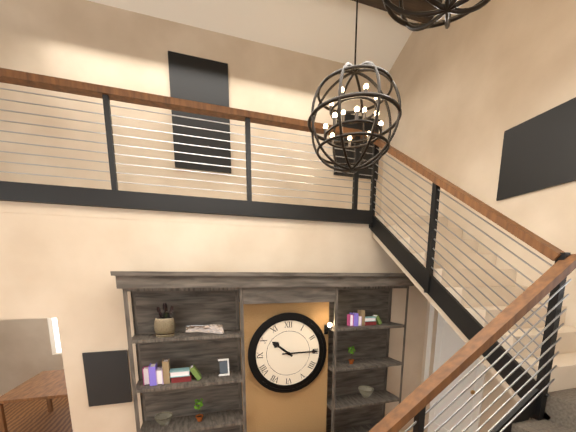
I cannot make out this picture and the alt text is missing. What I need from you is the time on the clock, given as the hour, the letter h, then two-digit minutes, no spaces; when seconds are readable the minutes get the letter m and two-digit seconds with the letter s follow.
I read 10h15
